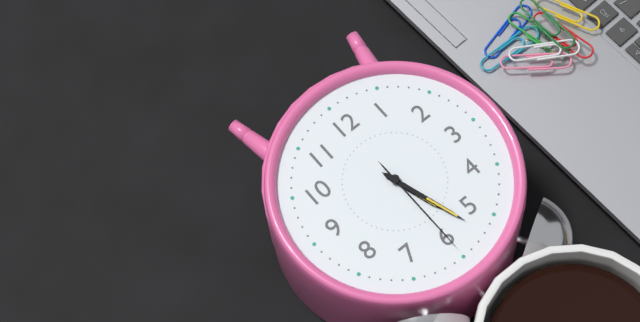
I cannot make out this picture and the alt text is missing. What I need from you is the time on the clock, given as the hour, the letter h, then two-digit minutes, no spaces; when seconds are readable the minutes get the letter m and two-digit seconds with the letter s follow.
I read 5h27m30s
